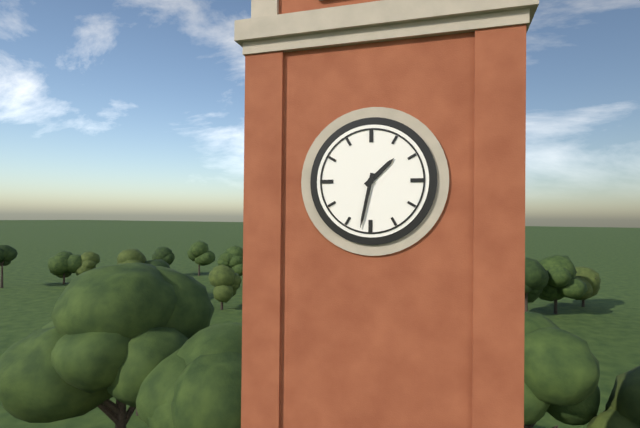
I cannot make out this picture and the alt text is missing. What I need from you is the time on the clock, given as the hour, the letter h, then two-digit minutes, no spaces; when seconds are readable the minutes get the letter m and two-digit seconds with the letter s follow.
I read 1h32
